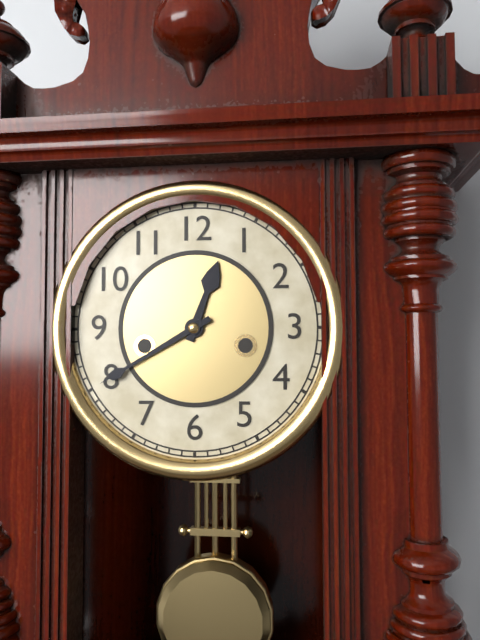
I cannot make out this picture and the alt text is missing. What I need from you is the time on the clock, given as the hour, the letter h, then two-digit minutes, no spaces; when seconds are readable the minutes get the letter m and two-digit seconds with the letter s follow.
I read 12h40
